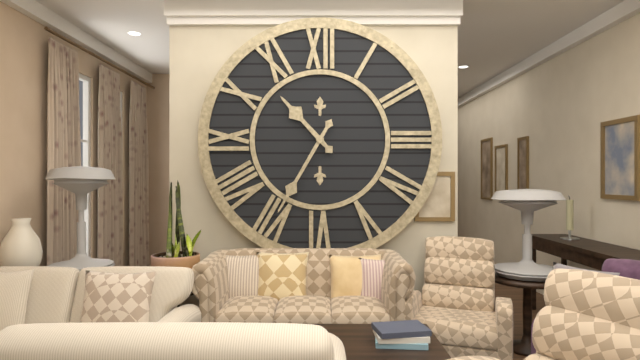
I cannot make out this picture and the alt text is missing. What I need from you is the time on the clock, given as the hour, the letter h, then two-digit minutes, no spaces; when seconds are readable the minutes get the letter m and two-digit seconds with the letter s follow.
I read 10h35
